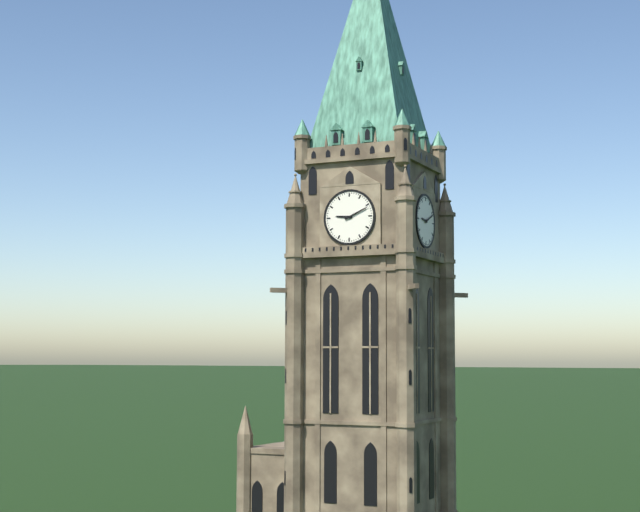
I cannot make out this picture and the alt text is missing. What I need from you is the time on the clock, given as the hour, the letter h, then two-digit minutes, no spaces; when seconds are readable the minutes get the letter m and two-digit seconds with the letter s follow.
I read 9h11
